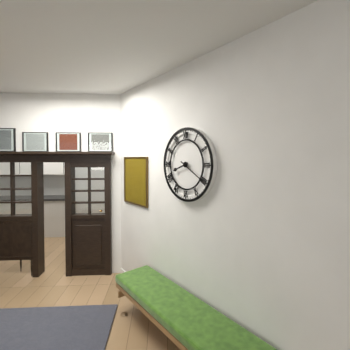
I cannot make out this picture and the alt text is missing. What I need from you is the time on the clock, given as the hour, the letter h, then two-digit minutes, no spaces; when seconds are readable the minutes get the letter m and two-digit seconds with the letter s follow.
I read 8h20
